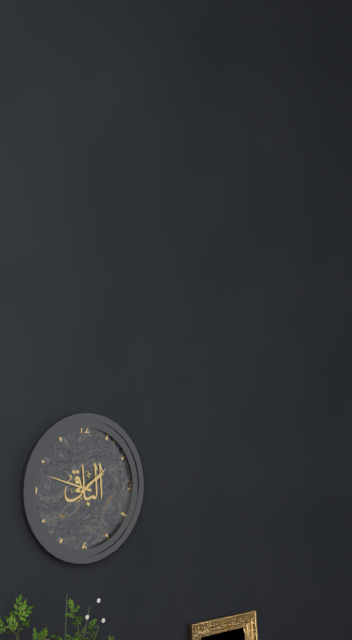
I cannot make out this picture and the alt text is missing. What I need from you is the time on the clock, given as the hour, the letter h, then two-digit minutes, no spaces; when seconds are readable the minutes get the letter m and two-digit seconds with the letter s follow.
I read 1h48
